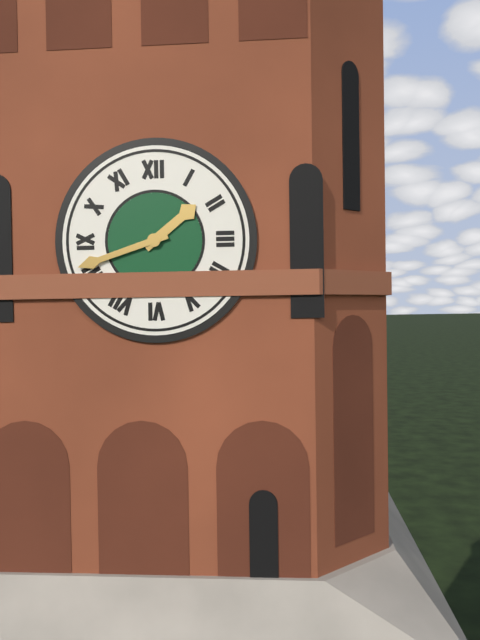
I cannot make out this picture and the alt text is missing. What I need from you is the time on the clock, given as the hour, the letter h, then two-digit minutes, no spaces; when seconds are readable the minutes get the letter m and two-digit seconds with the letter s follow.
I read 1h42
